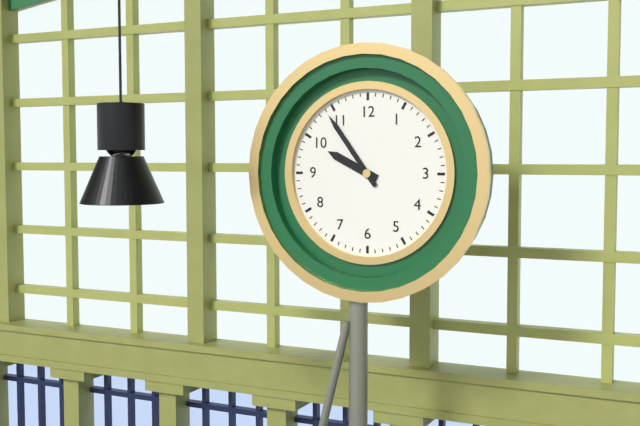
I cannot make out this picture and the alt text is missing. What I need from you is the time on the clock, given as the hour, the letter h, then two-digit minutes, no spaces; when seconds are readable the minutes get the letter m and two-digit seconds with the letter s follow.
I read 9h54
